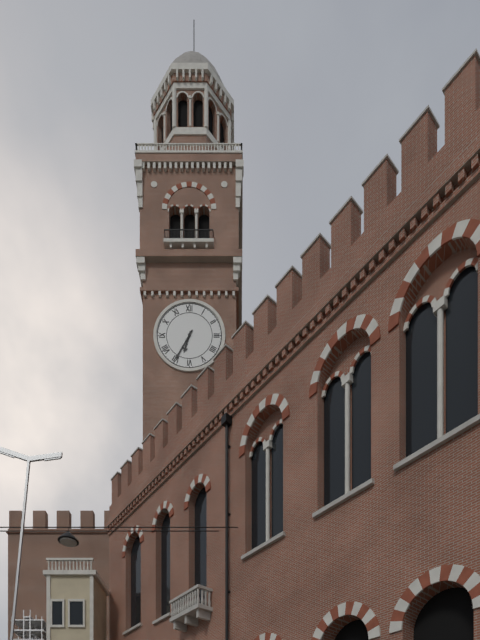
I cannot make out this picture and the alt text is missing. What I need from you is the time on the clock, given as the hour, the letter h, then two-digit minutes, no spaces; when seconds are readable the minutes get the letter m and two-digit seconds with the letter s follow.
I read 6h35
